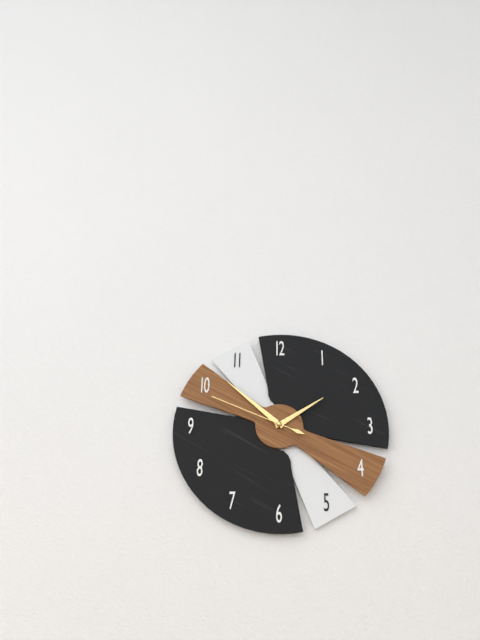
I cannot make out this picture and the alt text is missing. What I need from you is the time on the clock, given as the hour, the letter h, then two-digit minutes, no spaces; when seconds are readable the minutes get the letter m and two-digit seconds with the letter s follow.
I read 1h52m49s
